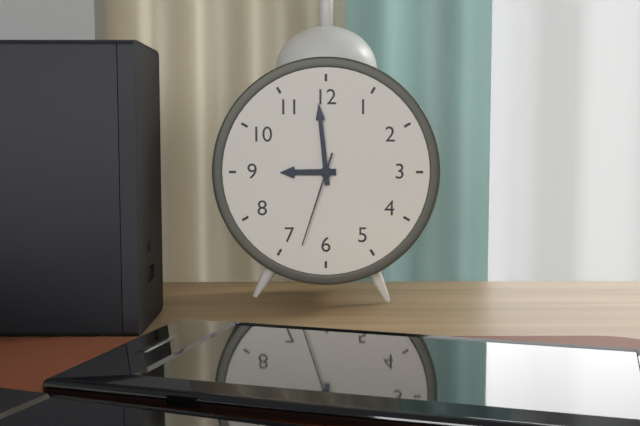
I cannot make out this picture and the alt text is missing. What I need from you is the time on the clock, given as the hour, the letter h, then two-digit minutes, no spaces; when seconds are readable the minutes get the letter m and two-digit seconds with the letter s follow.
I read 8h59m33s
